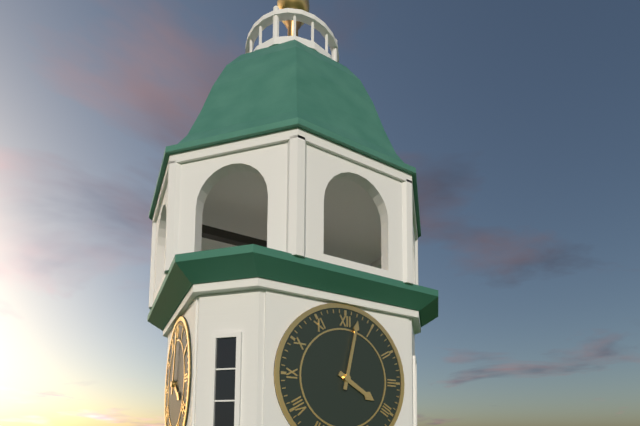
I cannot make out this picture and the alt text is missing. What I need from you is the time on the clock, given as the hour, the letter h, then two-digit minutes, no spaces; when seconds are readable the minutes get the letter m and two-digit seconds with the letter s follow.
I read 4h02
